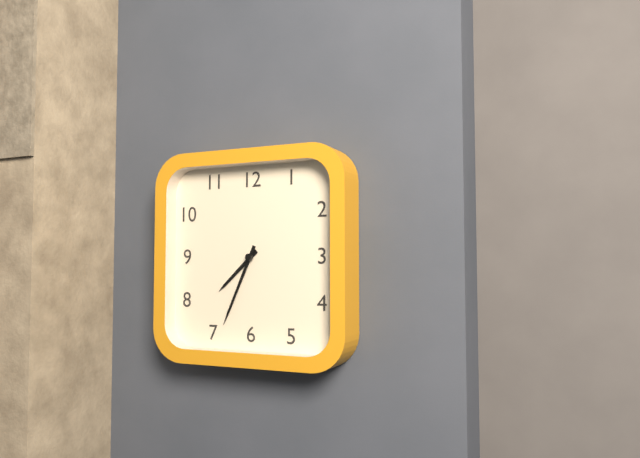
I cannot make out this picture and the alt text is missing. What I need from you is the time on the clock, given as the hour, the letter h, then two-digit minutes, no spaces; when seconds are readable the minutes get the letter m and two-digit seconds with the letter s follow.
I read 7h34
